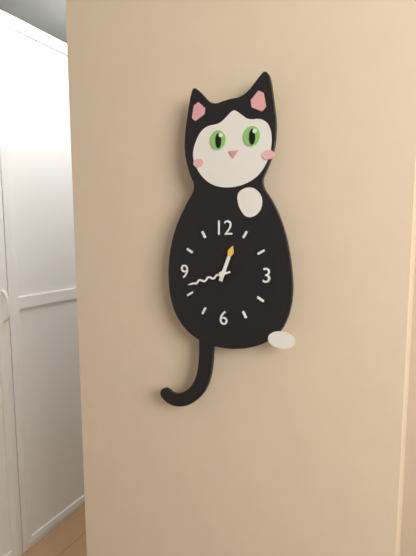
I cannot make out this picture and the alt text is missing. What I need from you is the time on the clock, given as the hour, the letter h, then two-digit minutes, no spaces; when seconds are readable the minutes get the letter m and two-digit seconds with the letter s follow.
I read 12h42
